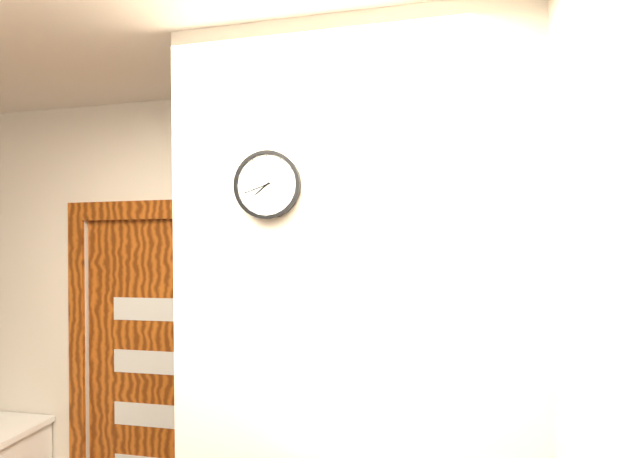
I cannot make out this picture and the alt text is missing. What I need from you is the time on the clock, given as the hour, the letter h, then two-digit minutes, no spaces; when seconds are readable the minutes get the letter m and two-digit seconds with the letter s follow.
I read 7h42
